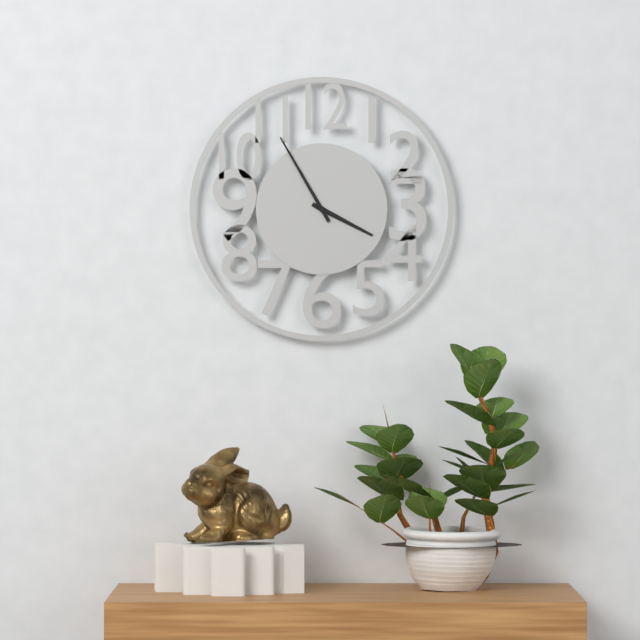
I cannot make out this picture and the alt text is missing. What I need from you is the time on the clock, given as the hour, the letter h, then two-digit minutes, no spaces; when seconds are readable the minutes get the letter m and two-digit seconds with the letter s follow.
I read 3h55
